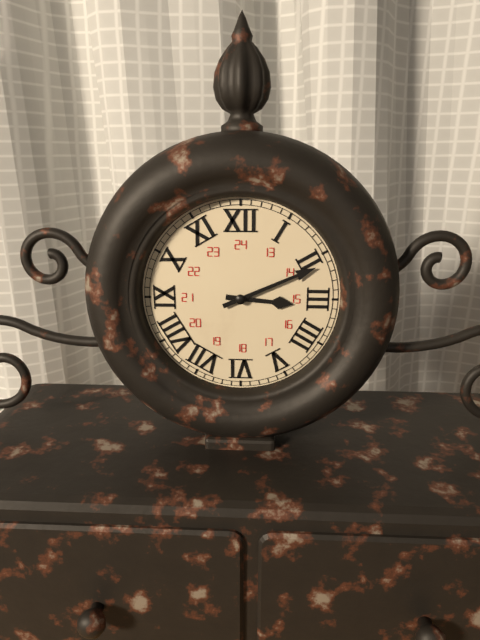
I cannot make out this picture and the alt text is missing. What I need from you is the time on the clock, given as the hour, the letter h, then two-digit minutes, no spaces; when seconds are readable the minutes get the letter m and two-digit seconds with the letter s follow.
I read 3h11
